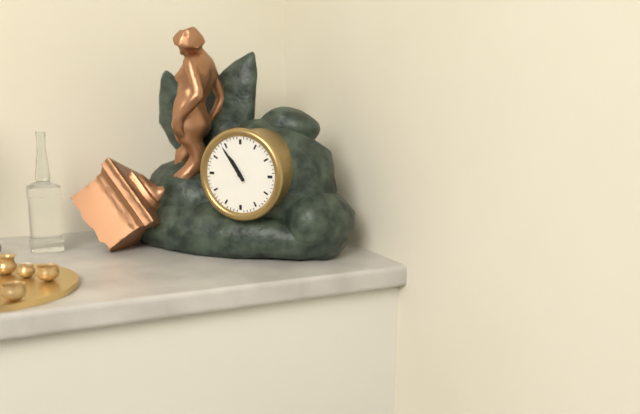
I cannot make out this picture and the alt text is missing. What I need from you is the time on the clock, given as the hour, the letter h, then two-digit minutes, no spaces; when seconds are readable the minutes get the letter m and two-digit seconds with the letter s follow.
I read 10h54
